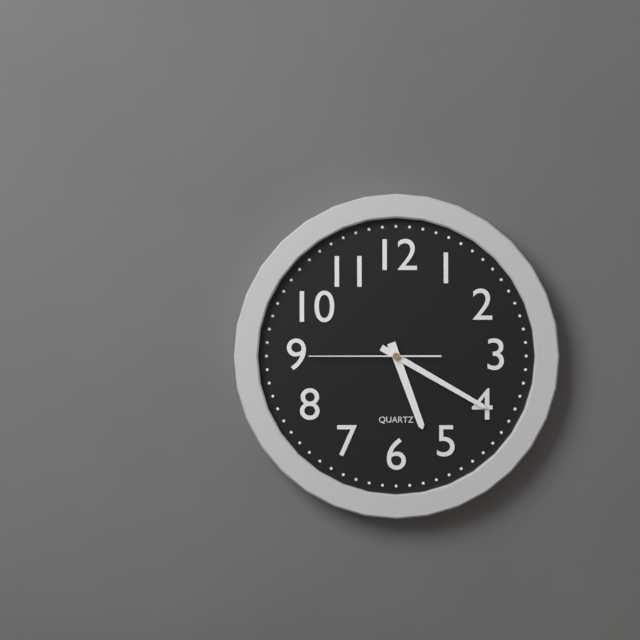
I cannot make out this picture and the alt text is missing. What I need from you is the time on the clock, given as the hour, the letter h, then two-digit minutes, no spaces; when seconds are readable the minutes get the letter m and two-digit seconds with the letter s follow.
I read 5h20m45s
